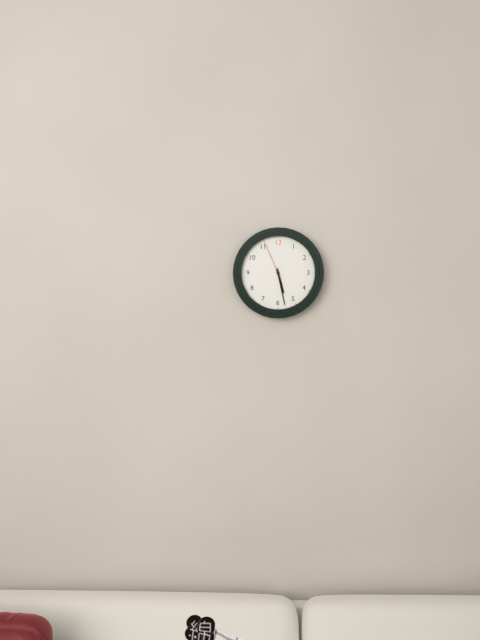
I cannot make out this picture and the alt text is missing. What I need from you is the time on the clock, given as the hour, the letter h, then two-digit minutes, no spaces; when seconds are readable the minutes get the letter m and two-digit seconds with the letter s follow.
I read 5h28
